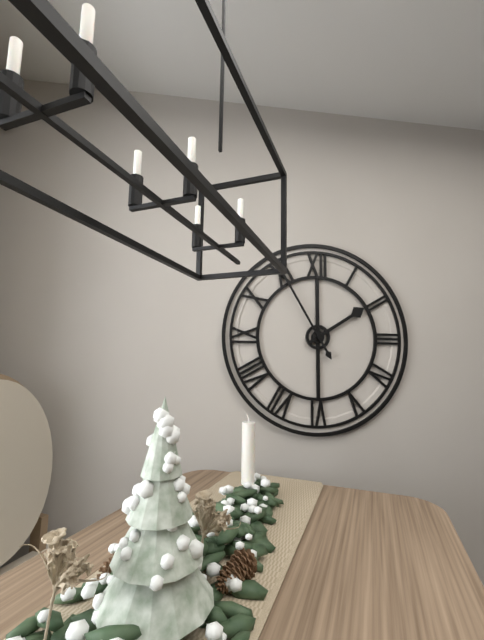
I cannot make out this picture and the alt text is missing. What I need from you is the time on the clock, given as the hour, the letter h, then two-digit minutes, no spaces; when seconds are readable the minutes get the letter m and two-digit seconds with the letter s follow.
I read 1h55
